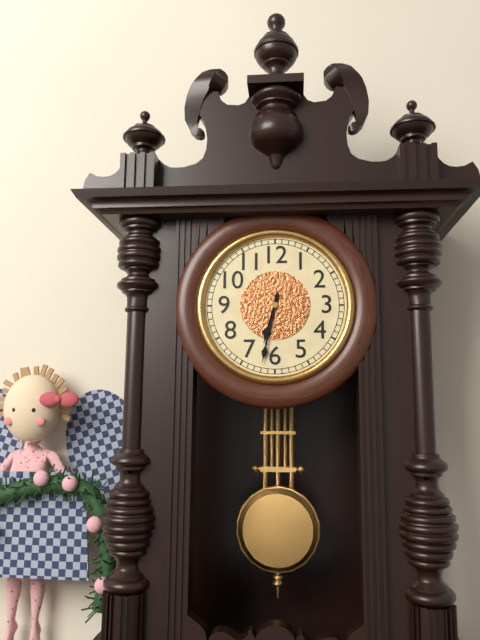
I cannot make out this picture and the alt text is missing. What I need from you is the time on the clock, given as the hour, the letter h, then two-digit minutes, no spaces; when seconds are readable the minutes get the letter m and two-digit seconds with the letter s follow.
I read 6h32
